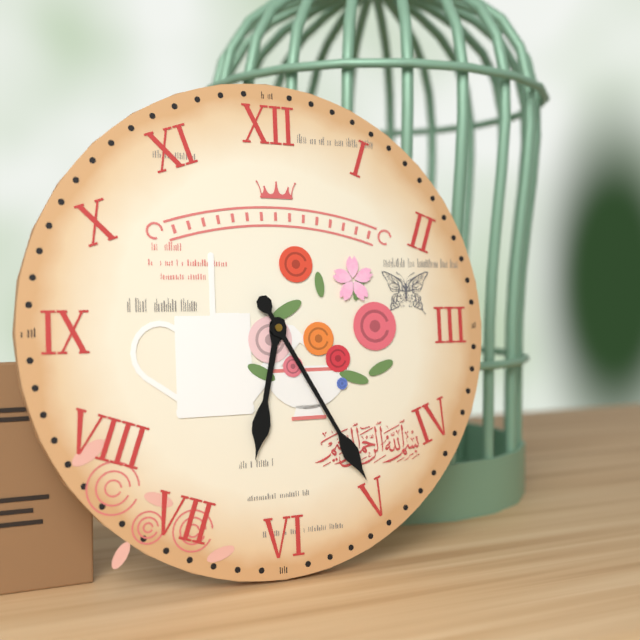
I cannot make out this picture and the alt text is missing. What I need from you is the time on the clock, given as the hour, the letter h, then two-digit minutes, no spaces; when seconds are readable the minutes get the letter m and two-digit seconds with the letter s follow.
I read 6h25
